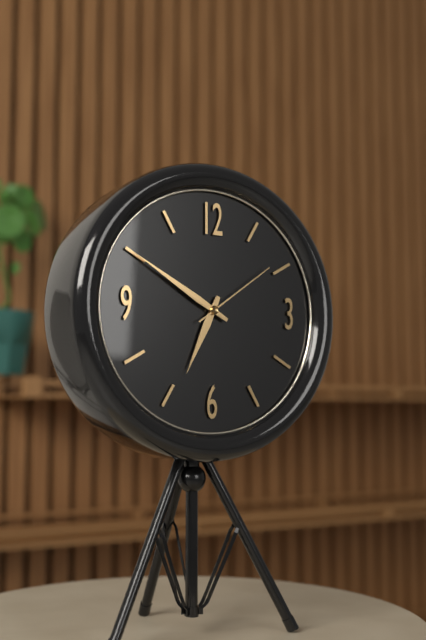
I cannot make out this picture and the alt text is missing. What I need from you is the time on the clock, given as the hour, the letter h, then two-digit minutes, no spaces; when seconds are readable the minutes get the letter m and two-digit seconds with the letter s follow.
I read 6h50m09s
